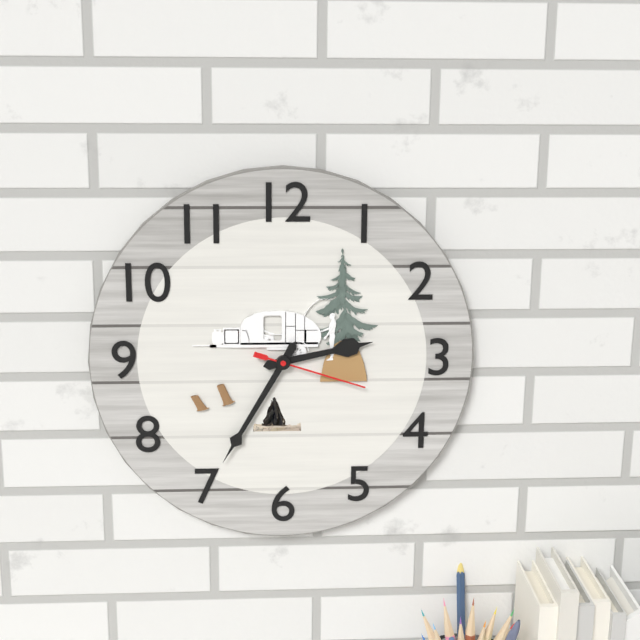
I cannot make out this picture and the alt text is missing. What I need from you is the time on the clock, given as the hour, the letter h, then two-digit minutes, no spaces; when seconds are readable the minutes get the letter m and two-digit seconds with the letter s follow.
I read 2h35m18s
